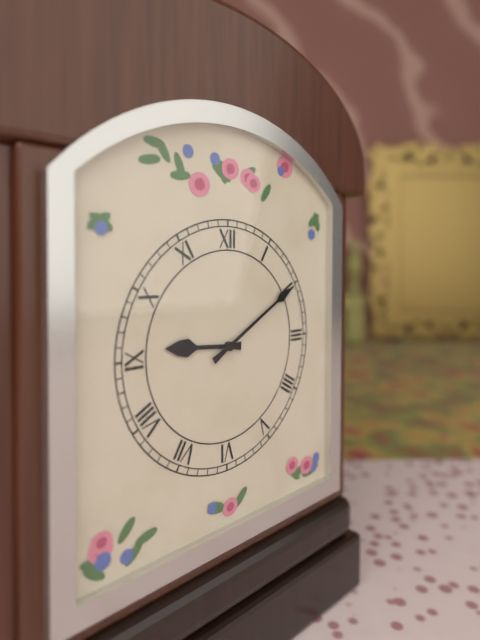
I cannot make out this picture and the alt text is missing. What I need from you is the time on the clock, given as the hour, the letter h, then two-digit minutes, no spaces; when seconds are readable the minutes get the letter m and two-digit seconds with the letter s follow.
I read 9h10
